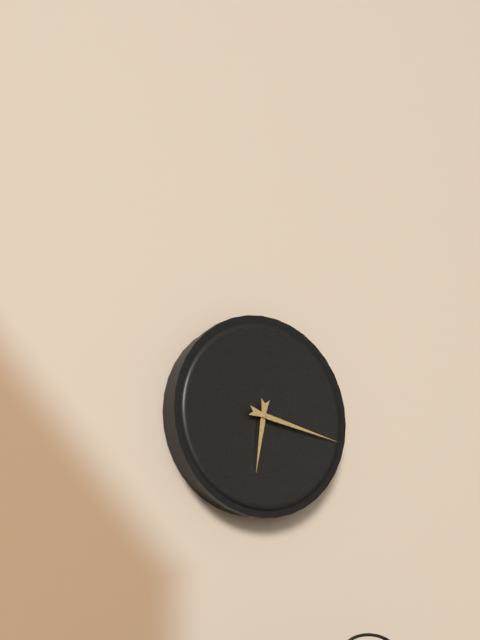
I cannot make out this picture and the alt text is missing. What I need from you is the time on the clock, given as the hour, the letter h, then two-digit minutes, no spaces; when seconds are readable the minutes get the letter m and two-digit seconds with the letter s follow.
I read 6h17
